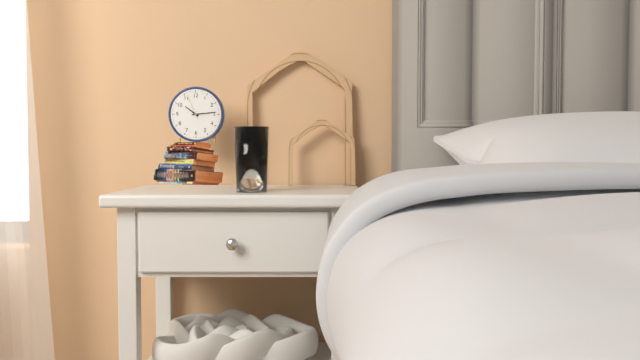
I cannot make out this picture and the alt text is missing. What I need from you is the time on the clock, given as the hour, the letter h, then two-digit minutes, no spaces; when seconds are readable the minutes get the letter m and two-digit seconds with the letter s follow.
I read 10h14
